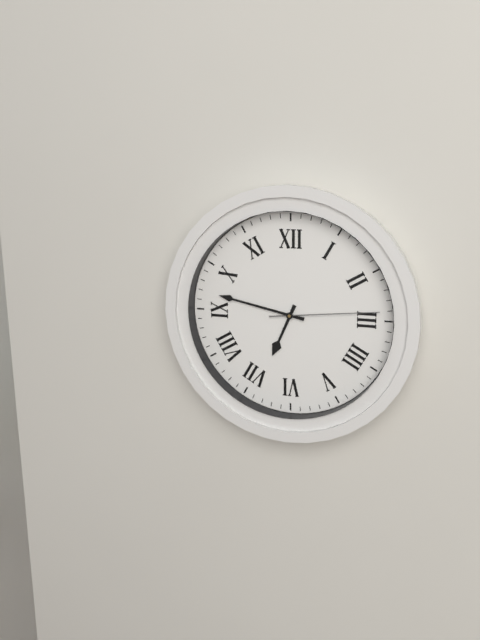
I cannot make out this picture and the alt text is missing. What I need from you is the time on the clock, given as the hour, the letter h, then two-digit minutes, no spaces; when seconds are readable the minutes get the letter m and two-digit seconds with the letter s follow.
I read 6h47m14s
